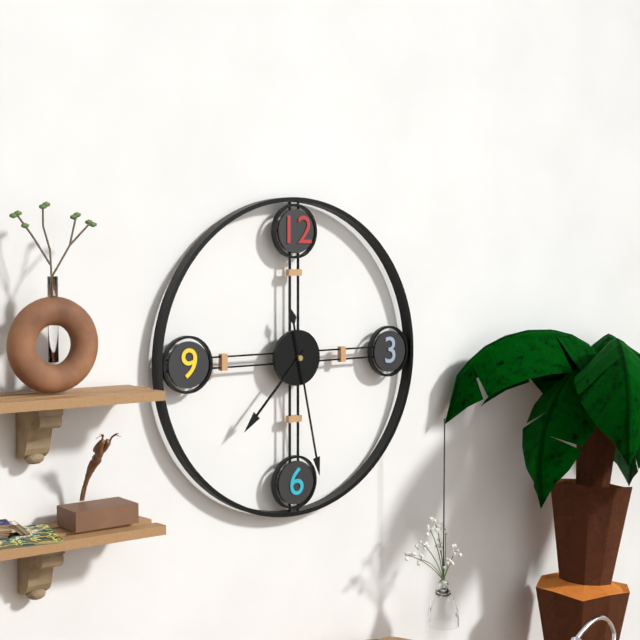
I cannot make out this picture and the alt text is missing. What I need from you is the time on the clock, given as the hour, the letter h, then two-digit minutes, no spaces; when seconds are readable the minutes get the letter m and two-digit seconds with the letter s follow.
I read 7h28
